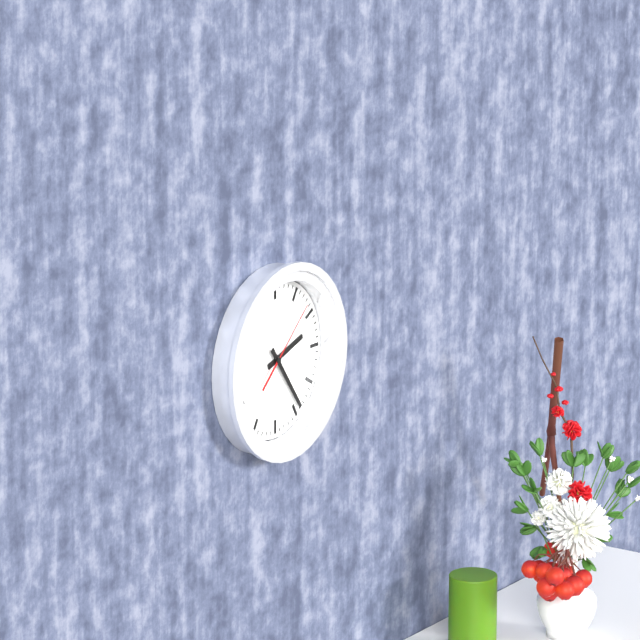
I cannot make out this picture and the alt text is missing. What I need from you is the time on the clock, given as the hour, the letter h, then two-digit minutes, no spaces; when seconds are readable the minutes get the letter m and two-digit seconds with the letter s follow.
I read 2h24m08s
